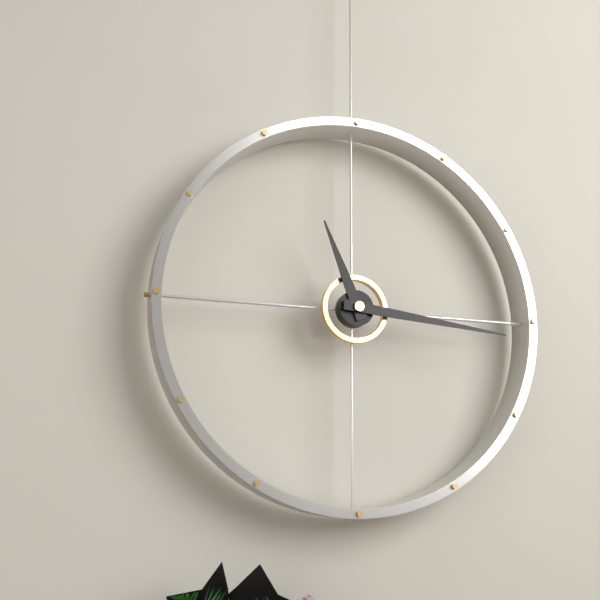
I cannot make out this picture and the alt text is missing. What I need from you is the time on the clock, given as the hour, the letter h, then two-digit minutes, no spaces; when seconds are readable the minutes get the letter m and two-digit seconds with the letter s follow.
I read 11h16
